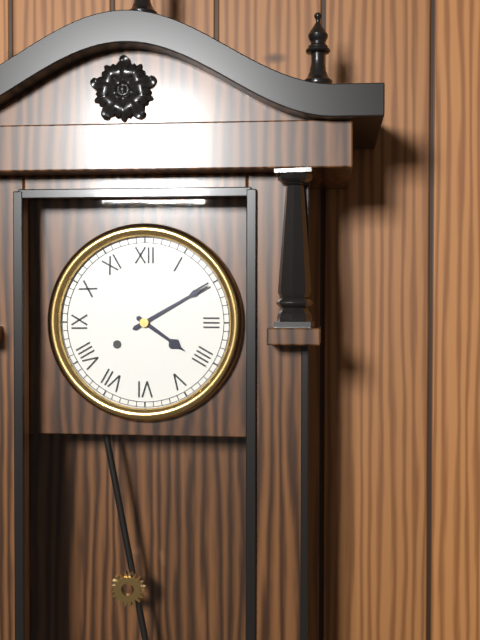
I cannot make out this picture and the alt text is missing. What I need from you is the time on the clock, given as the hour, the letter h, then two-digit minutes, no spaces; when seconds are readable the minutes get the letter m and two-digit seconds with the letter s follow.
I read 4h10
